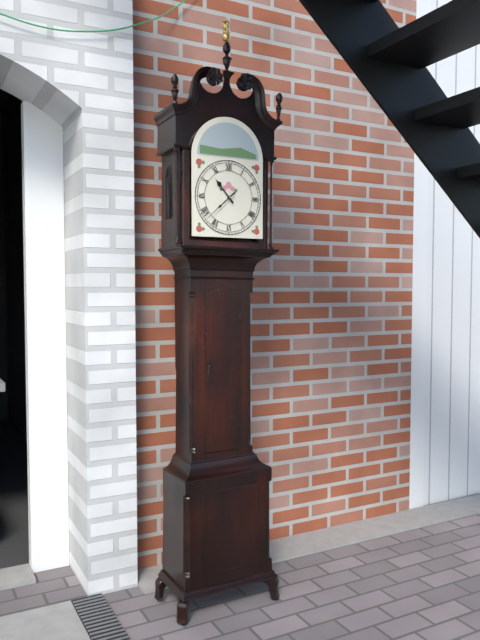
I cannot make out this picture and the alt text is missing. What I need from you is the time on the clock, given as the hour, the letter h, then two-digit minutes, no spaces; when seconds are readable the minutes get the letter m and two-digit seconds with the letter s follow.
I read 10h38
